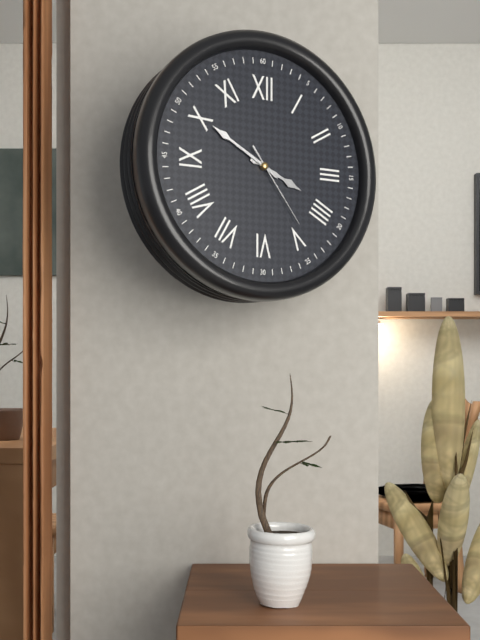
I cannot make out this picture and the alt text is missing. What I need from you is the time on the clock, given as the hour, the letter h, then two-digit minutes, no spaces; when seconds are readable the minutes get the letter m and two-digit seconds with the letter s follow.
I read 3h50m24s
